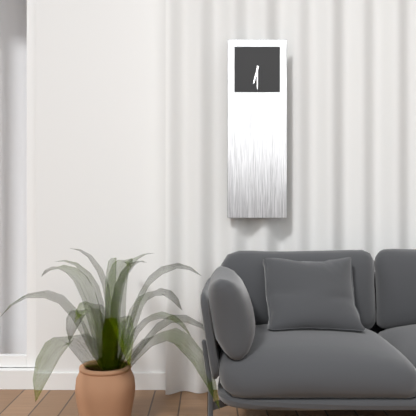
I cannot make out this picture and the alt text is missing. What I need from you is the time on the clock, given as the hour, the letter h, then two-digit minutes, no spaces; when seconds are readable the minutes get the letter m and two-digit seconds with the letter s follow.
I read 6h30
